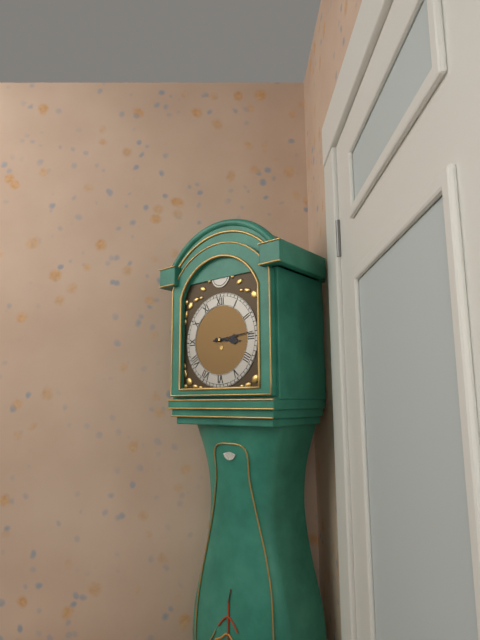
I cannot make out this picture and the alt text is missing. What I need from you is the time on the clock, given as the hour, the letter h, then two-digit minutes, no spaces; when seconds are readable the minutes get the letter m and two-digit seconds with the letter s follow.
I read 3h14
